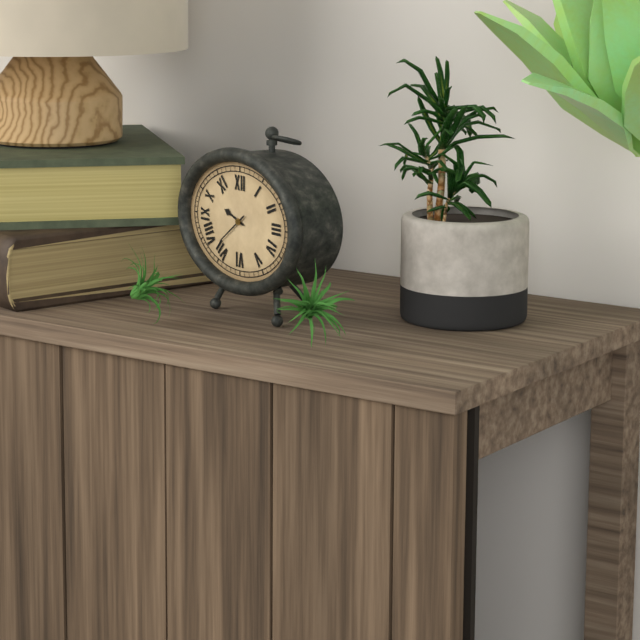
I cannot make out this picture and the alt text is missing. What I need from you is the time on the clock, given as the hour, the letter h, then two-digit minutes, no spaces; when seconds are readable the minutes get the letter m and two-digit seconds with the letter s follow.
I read 9h39
